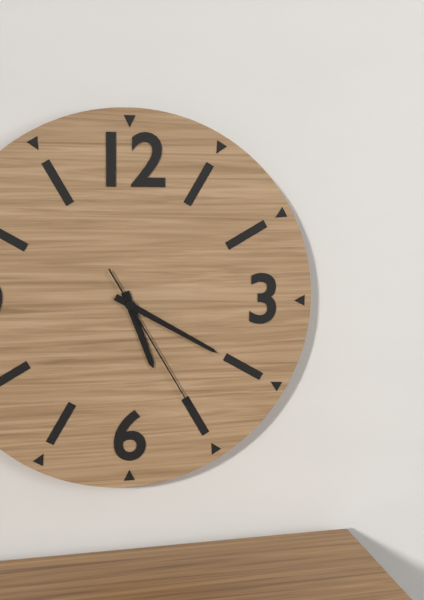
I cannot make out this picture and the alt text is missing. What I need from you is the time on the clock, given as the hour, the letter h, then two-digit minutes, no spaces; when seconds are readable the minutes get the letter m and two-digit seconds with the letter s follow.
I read 5h20m25s
